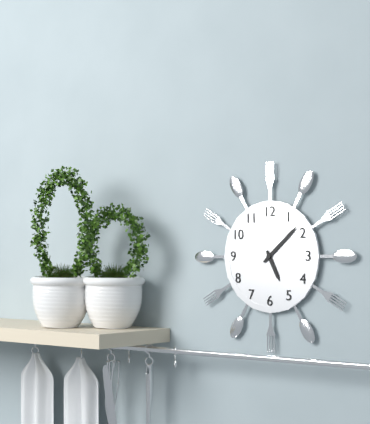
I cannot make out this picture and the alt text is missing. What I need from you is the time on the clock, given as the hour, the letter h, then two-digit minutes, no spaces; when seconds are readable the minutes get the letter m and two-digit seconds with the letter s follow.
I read 5h08
